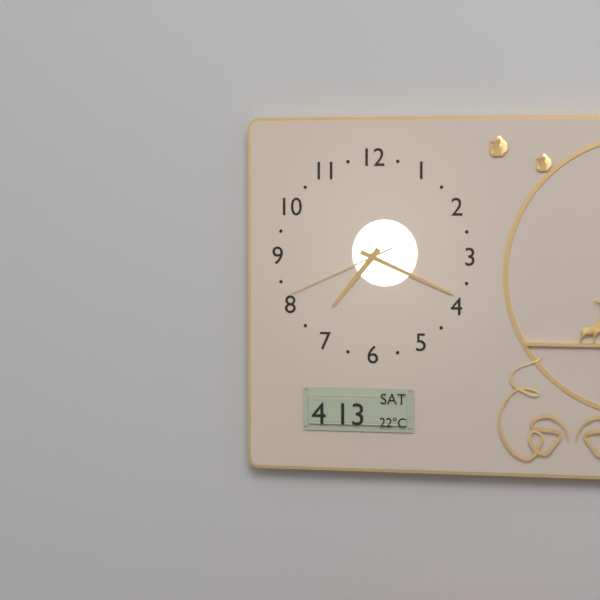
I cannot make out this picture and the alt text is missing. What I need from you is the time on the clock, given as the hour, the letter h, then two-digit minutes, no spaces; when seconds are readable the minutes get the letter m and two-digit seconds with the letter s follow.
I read 7h19m41s
